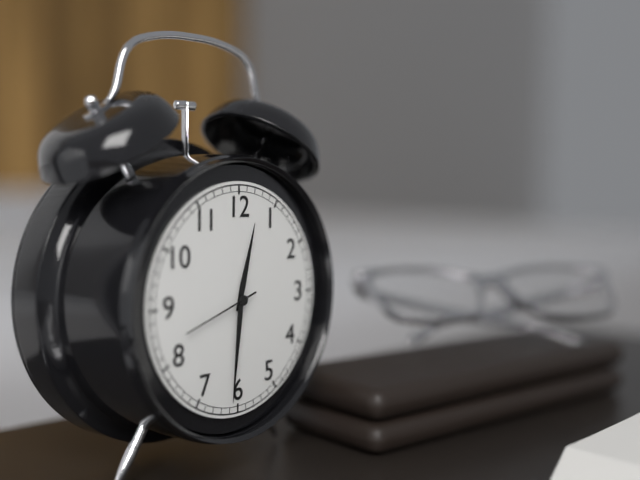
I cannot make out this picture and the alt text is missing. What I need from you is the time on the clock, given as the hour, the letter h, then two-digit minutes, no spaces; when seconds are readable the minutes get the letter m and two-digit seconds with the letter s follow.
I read 12h31m42s
